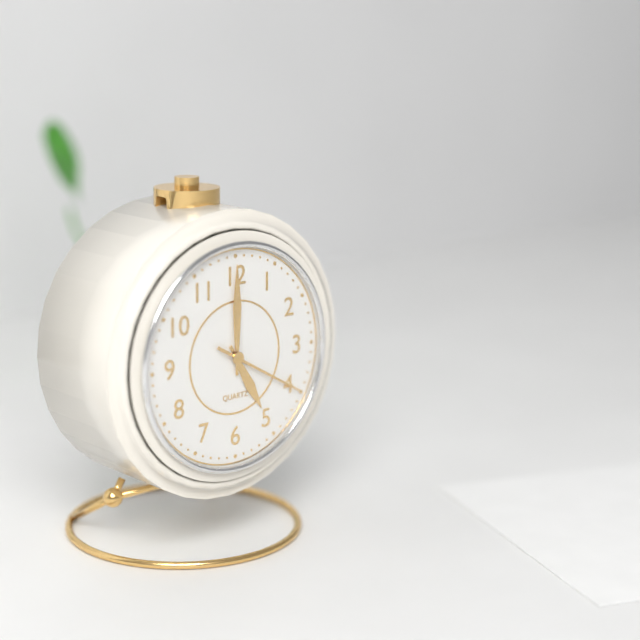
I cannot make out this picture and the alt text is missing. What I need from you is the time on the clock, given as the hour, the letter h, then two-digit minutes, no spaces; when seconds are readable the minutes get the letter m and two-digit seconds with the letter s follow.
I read 5h00m20s
